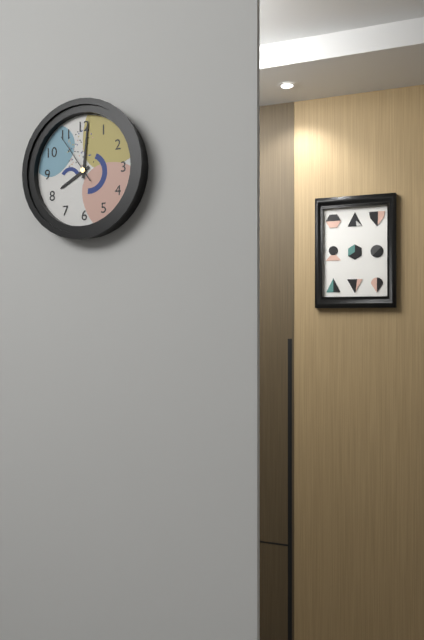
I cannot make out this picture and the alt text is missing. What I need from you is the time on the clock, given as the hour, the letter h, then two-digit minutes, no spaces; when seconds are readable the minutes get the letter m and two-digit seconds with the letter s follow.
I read 8h01m54s
